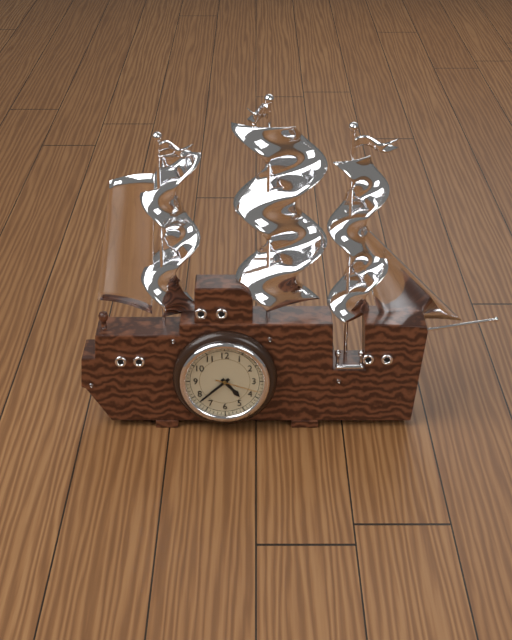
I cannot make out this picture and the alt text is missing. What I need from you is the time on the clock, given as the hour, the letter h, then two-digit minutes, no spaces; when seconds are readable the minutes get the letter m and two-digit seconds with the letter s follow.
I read 4h38
